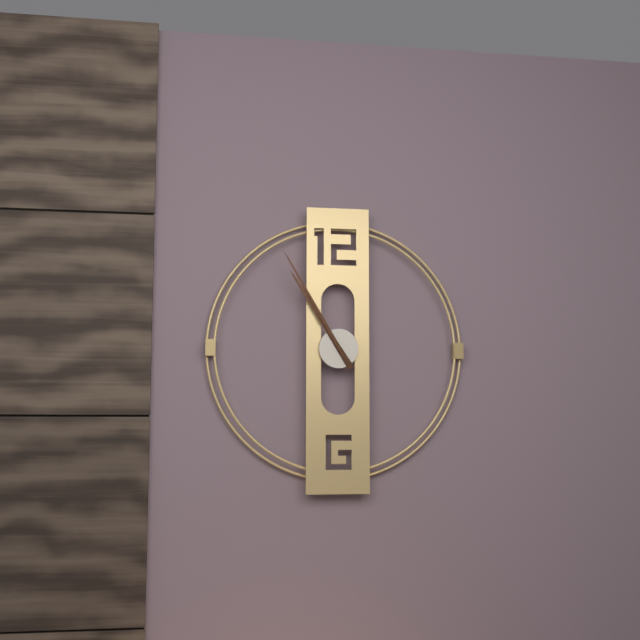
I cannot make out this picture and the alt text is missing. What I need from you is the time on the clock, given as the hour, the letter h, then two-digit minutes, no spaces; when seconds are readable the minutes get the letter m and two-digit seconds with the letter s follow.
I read 10h55
